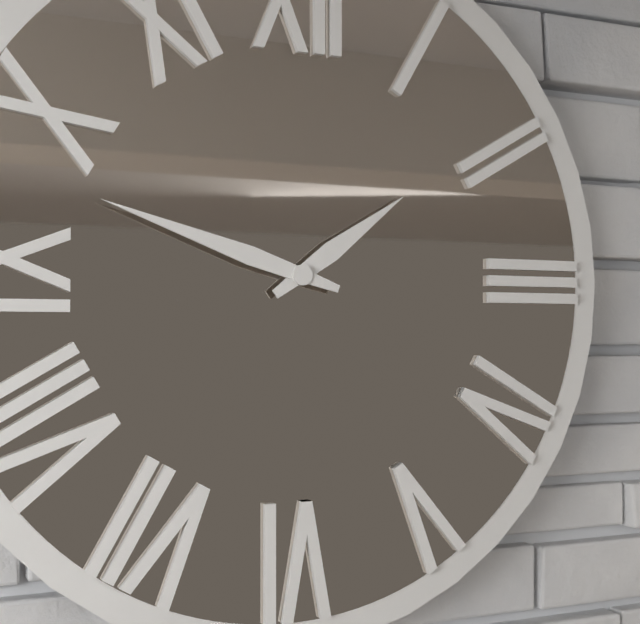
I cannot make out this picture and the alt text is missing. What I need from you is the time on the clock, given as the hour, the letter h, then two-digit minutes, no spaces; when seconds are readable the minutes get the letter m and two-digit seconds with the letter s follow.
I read 1h48
